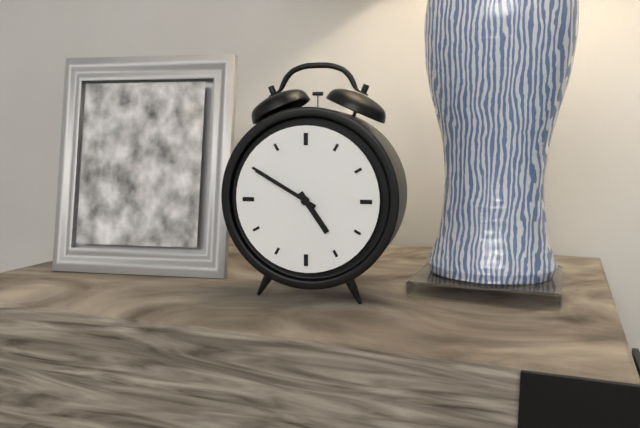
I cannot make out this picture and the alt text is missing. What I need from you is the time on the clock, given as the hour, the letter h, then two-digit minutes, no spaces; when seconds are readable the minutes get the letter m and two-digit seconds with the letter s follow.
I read 4h50
